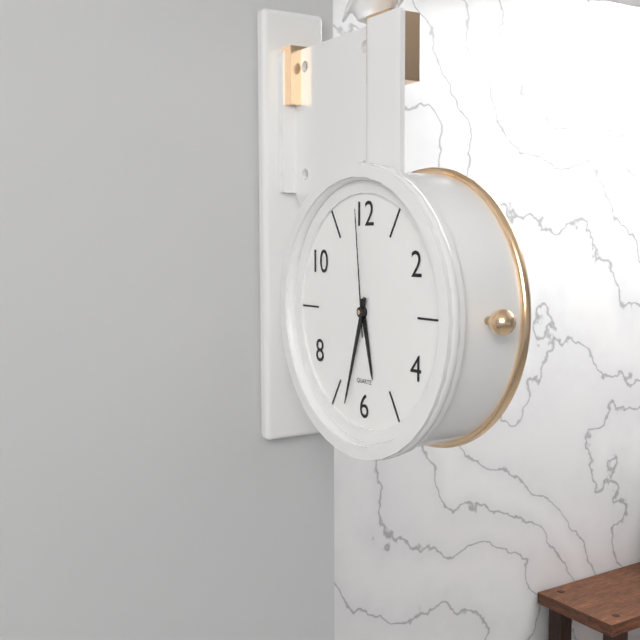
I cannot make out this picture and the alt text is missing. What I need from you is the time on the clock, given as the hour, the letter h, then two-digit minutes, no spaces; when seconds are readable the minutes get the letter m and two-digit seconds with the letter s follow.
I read 5h33m59s
